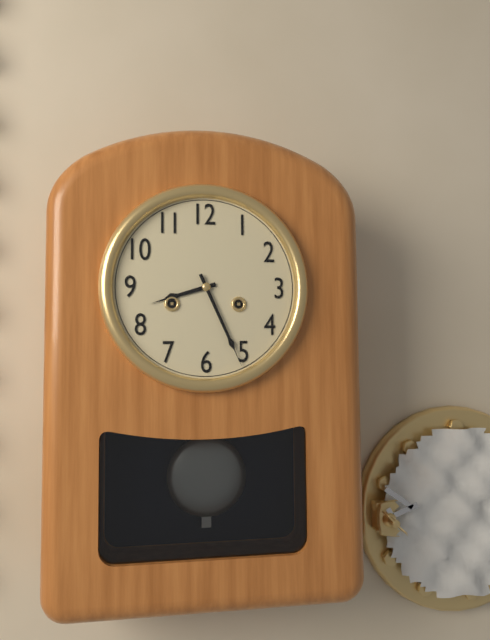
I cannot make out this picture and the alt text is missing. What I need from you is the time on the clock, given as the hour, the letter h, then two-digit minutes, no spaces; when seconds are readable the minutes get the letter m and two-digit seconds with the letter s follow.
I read 8h26
